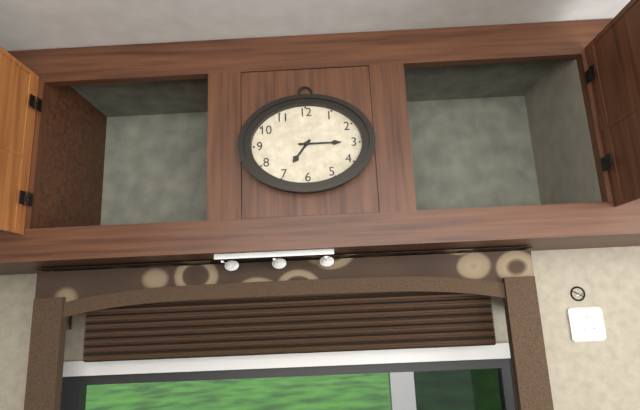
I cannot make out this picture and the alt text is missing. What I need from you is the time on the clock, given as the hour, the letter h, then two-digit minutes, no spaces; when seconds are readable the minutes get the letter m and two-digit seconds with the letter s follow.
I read 7h15
